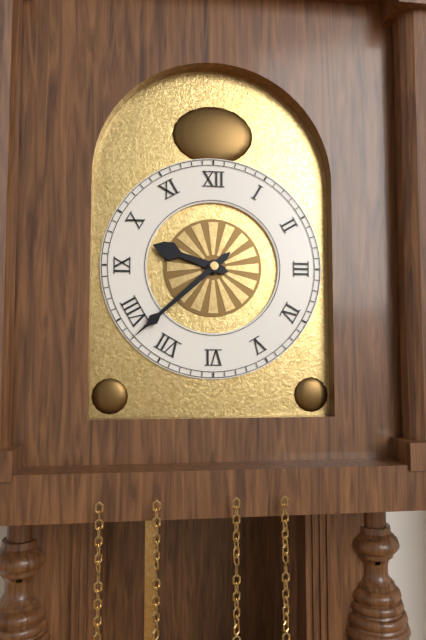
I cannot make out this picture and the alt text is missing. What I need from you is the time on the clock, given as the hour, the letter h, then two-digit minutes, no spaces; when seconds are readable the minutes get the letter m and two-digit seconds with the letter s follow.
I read 9h38
